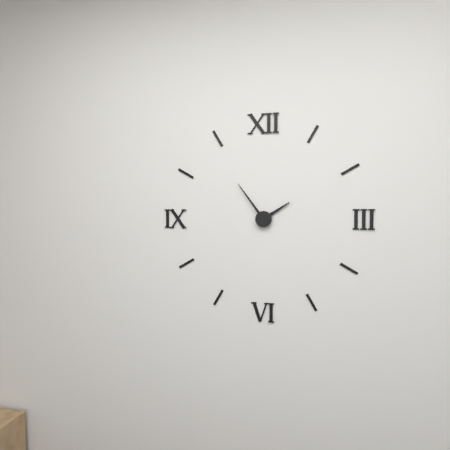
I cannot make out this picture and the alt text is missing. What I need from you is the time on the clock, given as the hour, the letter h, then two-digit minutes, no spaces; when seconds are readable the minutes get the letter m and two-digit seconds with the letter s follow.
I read 1h54
